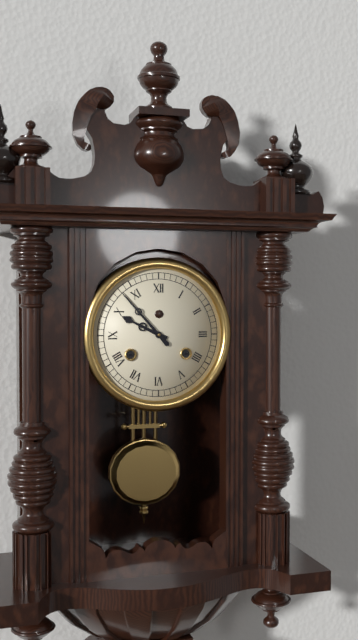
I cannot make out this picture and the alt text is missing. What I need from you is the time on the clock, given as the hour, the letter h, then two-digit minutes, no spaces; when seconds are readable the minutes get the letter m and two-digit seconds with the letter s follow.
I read 9h53
